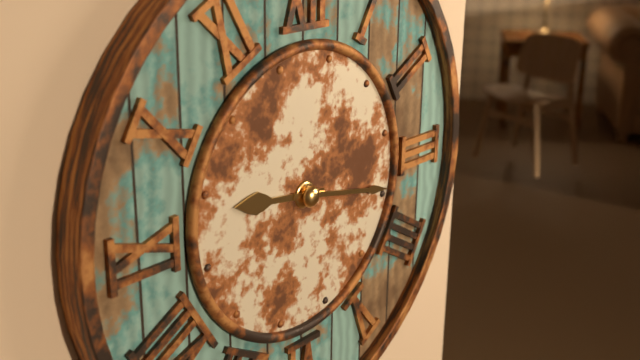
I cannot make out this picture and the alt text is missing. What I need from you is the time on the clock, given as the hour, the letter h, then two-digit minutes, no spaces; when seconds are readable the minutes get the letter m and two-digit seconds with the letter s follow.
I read 9h17
